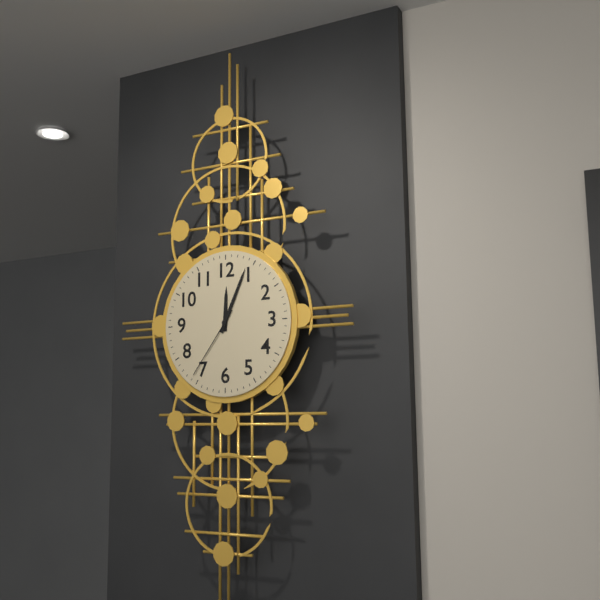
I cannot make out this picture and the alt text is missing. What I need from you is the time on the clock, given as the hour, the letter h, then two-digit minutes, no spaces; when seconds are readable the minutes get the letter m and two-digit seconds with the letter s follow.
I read 12h04m36s
